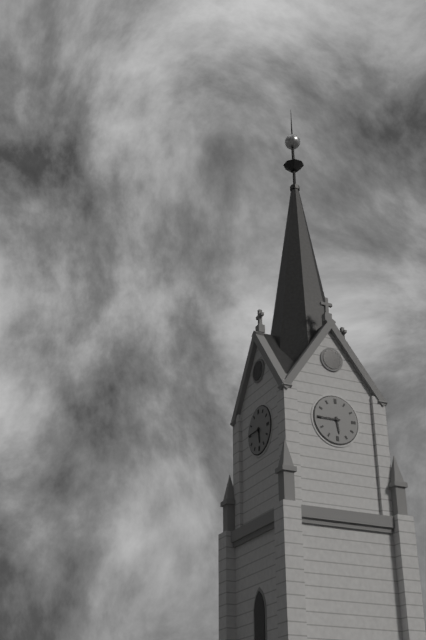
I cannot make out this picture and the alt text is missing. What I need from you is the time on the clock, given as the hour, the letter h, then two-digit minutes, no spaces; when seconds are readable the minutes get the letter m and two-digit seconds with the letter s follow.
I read 5h45
